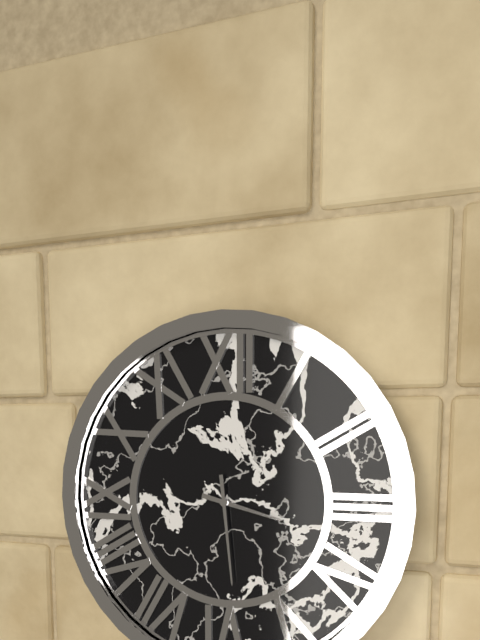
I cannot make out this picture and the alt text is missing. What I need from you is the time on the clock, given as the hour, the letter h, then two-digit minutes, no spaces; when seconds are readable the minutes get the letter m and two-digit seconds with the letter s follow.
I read 3h29
